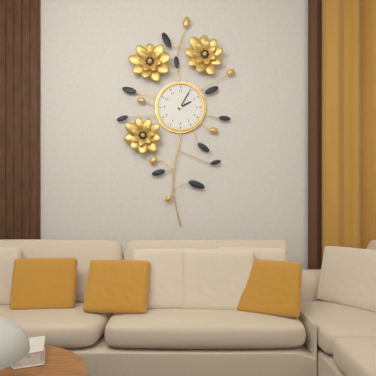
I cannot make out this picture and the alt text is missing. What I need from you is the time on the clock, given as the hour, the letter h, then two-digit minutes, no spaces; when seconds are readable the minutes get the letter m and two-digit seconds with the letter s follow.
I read 2h05
